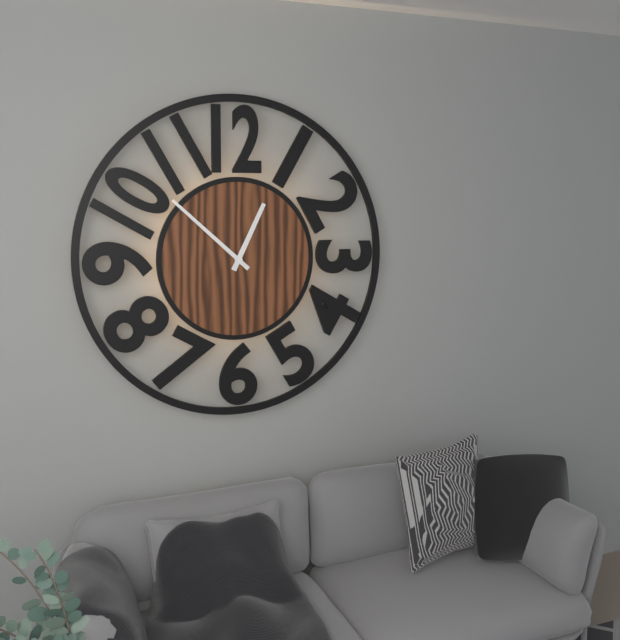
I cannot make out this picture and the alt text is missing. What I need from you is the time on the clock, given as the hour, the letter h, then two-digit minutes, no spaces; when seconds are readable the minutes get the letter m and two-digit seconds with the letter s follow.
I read 12h52
